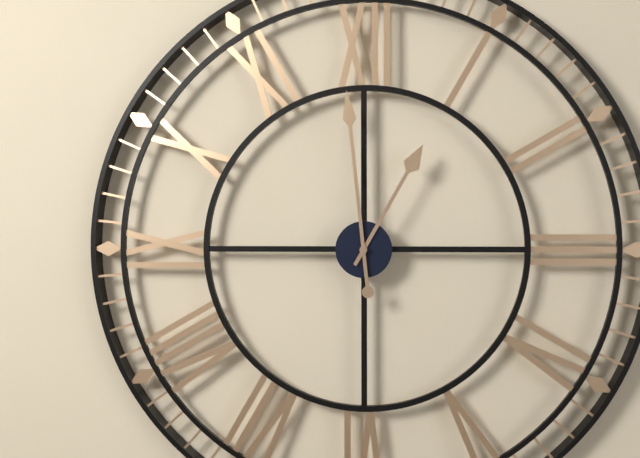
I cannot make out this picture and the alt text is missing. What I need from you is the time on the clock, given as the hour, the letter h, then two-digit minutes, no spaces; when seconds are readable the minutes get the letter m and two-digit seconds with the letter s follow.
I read 12h59
